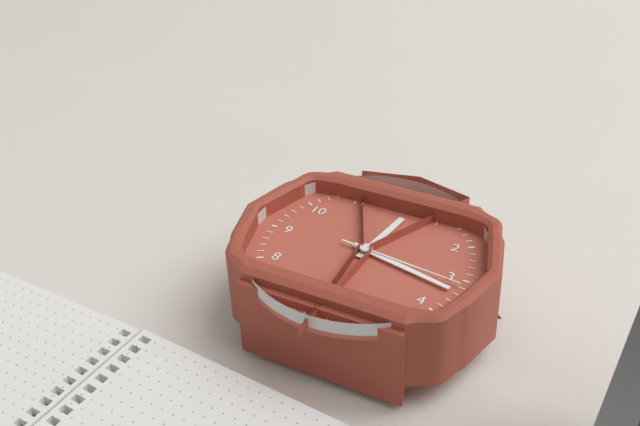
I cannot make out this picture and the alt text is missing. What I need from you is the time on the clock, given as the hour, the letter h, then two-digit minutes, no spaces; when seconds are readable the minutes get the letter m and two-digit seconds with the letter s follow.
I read 12h17m16s
